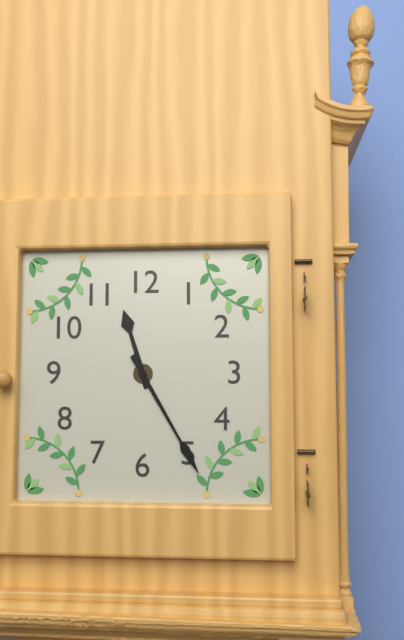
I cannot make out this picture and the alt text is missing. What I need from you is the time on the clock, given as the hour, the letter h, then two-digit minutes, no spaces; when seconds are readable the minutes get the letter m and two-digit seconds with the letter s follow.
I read 11h25
